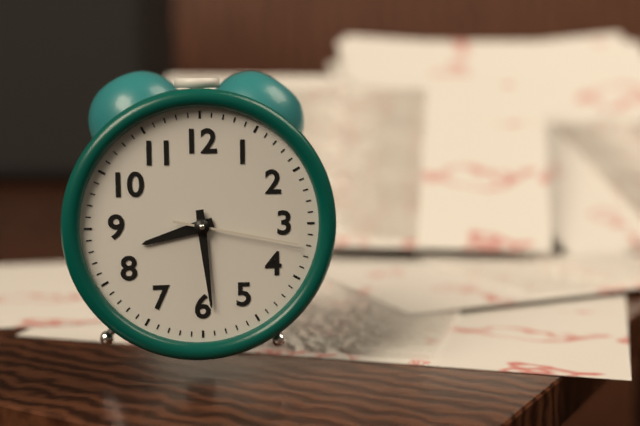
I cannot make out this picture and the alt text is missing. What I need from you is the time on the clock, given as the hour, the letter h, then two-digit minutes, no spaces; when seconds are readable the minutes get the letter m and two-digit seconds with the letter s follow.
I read 8h29m17s
